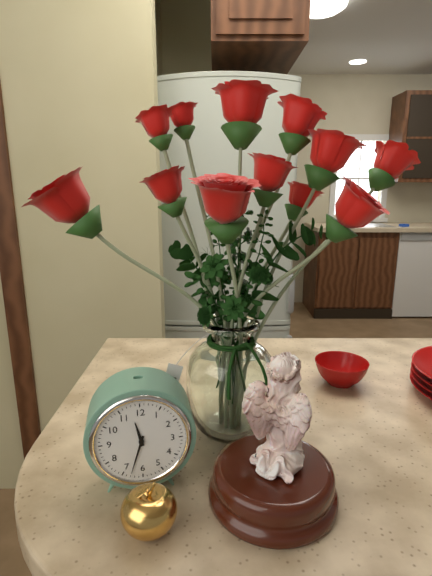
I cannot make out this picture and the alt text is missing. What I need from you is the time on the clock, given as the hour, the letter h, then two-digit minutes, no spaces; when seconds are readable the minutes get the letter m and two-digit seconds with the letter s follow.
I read 11h33
